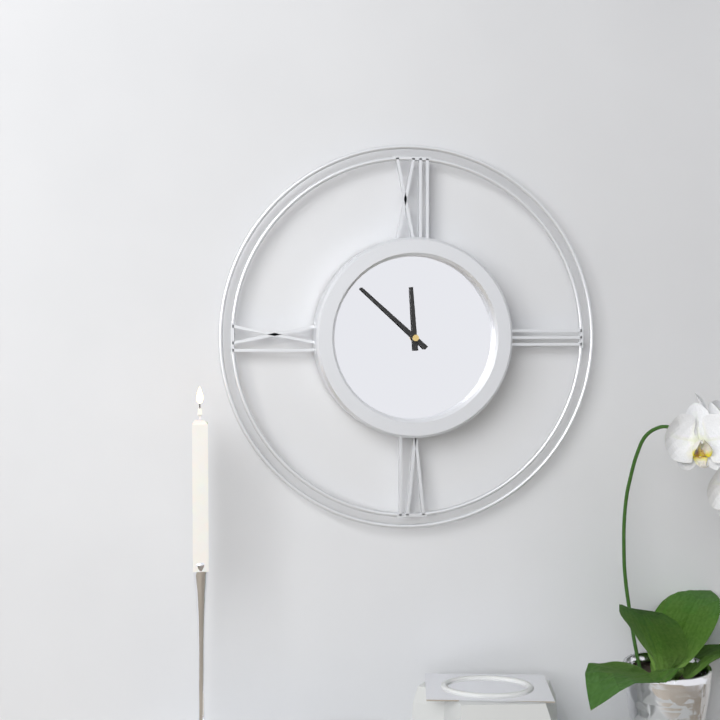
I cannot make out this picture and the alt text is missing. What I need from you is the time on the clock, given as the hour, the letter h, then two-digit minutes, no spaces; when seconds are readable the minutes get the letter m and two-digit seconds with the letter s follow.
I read 11h52
